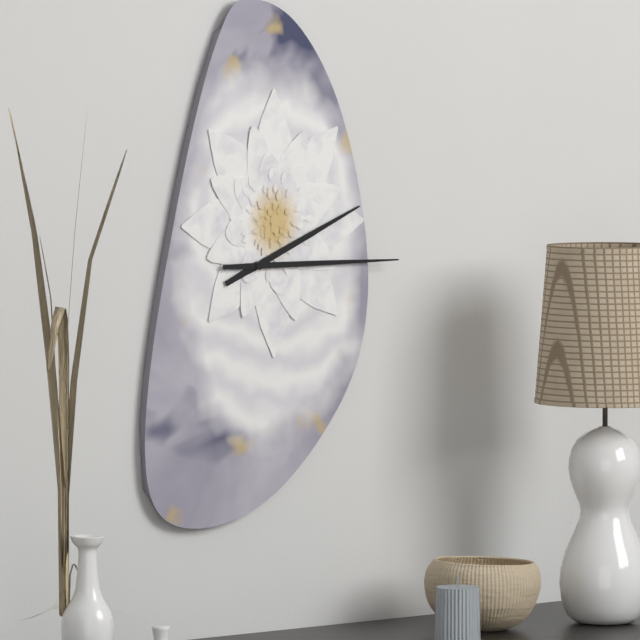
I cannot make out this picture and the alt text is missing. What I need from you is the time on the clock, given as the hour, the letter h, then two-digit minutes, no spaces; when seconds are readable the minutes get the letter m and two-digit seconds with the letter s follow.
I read 2h15
